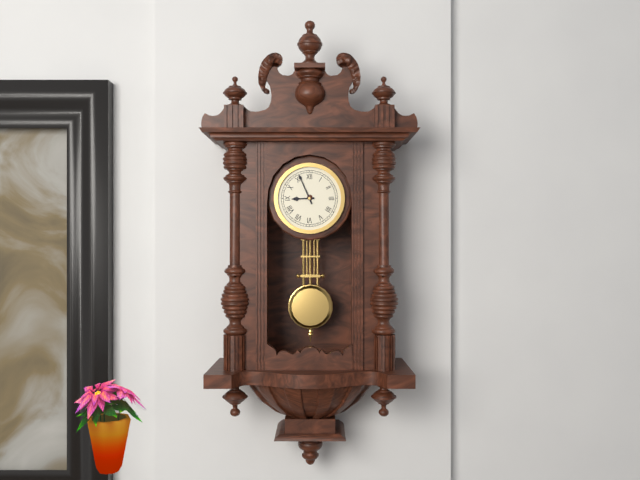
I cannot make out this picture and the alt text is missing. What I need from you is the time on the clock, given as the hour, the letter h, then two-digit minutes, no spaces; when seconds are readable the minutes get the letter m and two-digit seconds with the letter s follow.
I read 8h56
